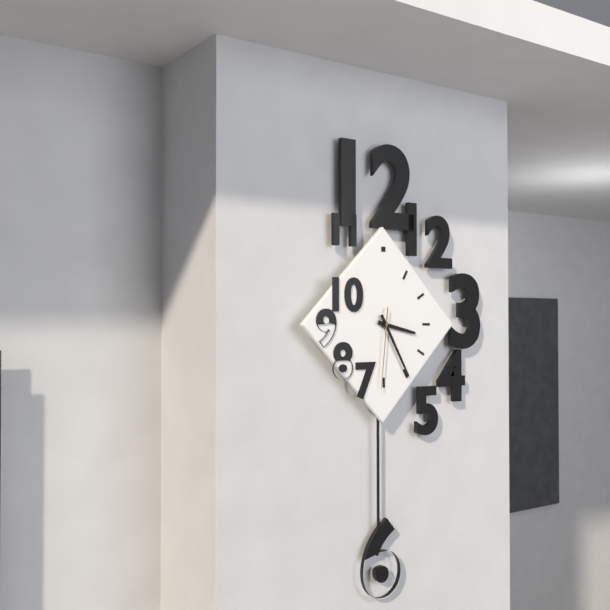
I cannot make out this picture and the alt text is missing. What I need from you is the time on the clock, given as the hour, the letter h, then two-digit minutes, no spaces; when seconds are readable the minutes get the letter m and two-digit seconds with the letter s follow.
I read 3h25m31s
